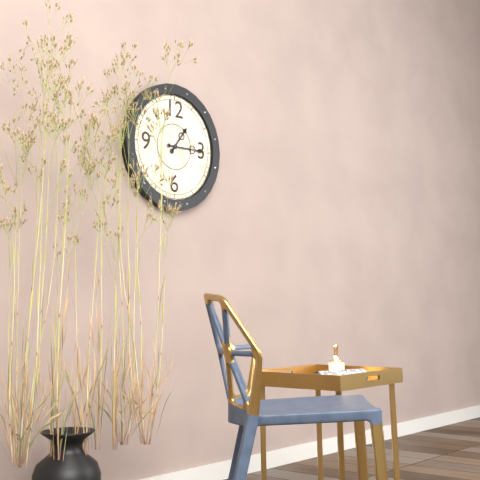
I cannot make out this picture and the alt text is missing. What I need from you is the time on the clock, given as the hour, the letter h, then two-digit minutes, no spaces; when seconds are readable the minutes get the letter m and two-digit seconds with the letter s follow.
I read 1h15
